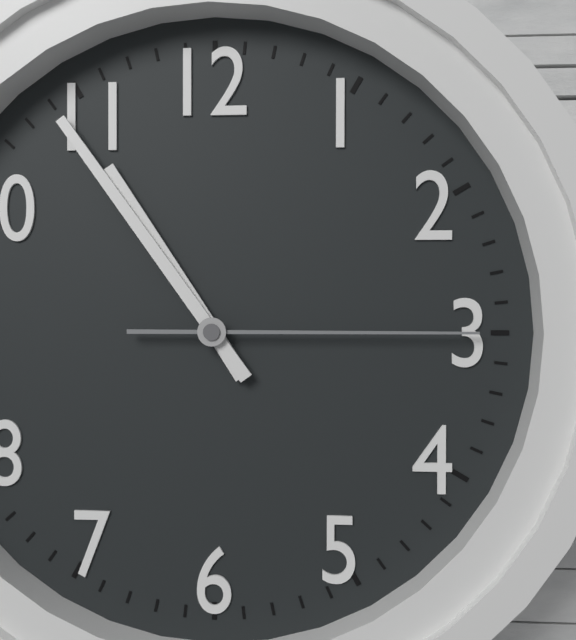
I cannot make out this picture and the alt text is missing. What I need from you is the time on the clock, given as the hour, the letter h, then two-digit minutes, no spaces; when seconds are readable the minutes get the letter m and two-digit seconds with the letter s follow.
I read 10h54m15s
